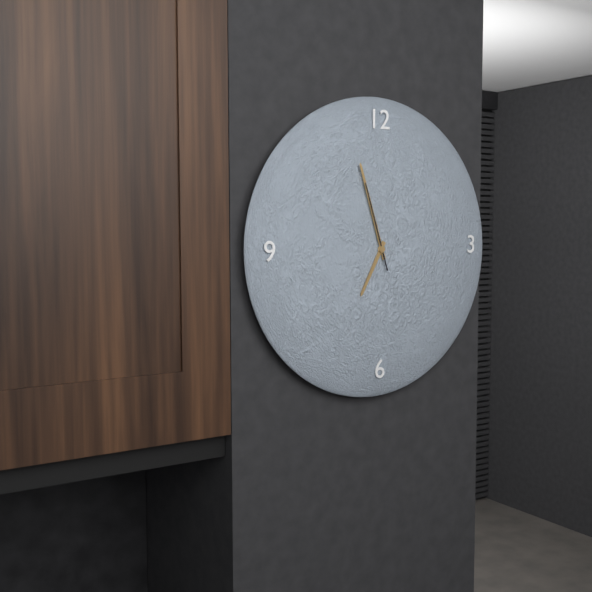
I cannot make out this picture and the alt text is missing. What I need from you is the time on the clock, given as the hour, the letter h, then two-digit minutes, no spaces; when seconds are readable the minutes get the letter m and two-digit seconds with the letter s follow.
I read 6h57m57s
